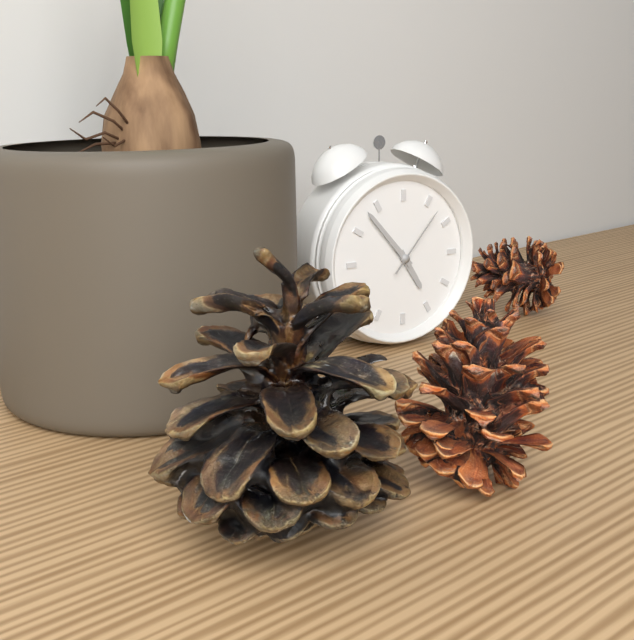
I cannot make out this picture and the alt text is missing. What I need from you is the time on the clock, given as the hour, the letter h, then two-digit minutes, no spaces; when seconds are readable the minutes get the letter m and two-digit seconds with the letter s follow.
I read 4h53m07s
